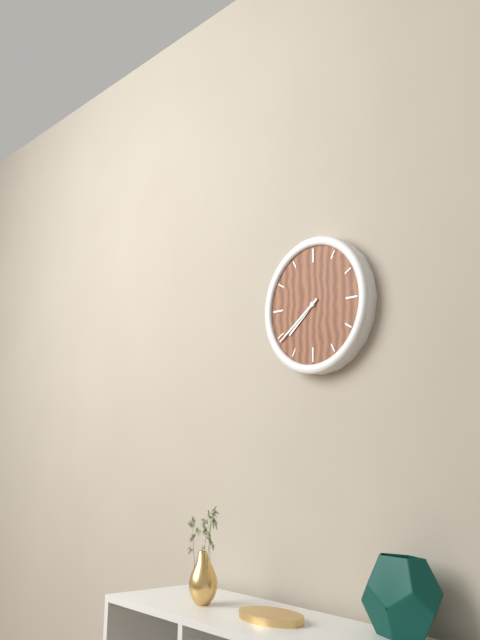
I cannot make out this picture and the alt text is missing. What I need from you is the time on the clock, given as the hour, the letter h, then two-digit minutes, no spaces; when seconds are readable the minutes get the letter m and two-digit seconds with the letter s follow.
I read 7h39
